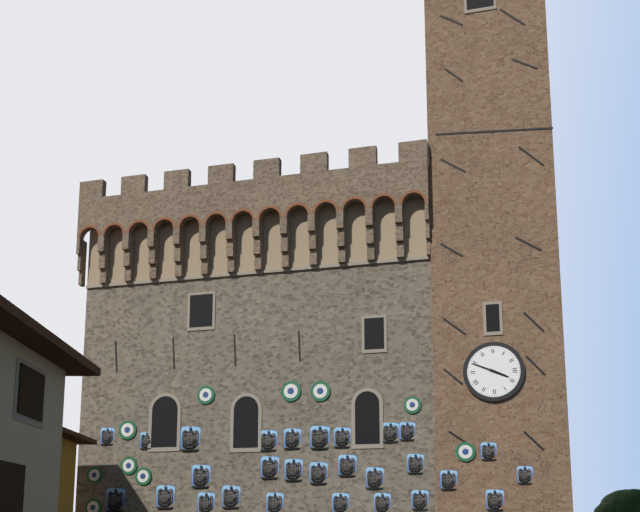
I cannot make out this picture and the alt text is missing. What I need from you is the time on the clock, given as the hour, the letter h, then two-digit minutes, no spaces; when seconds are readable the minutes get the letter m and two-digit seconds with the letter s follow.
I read 3h49
